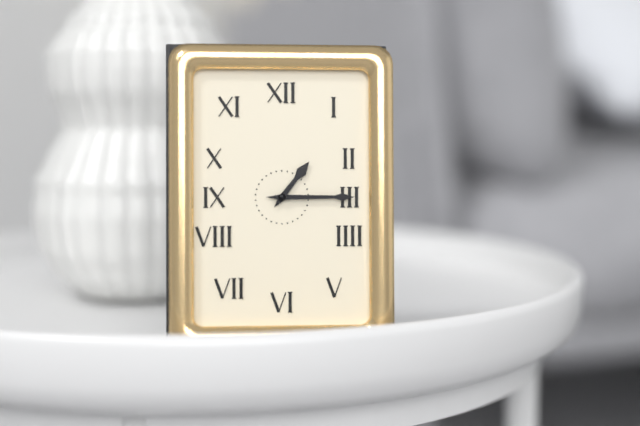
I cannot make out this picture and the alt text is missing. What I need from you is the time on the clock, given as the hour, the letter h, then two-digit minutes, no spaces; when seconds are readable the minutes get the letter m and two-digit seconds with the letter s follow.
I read 1h15
